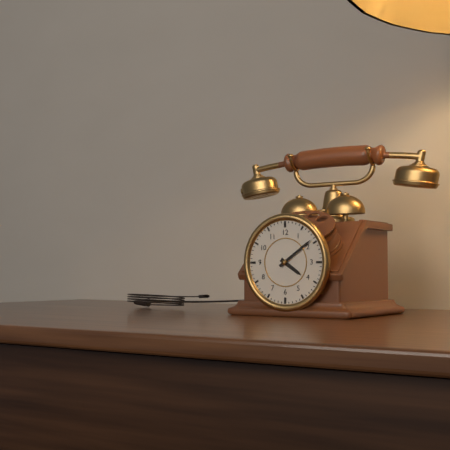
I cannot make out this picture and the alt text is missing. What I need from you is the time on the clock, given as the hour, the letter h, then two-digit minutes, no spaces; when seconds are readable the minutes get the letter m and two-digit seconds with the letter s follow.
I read 4h09
